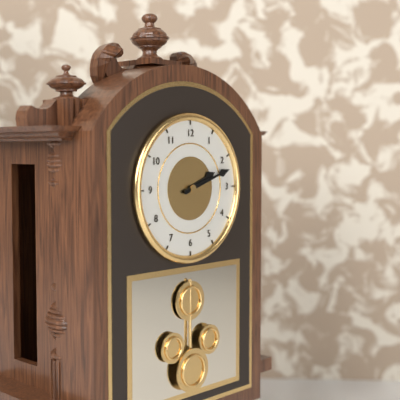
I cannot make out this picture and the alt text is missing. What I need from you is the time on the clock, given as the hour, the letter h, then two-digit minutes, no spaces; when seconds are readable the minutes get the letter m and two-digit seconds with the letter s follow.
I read 2h12
